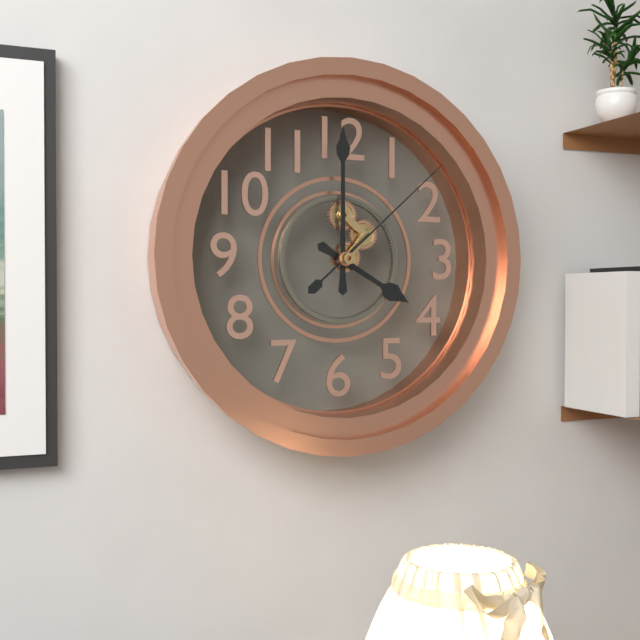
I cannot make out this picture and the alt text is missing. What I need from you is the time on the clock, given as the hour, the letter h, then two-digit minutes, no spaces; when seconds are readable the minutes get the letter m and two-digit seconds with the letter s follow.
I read 4h00m08s
